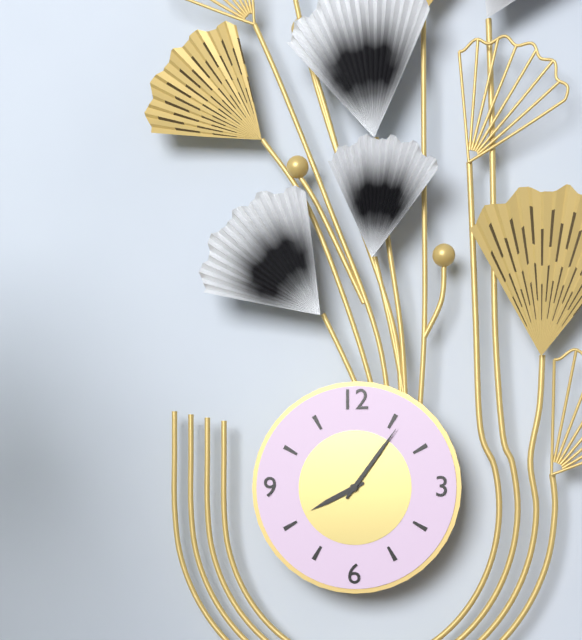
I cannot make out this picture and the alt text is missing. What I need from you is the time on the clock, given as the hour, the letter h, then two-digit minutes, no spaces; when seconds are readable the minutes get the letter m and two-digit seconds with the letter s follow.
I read 8h06
